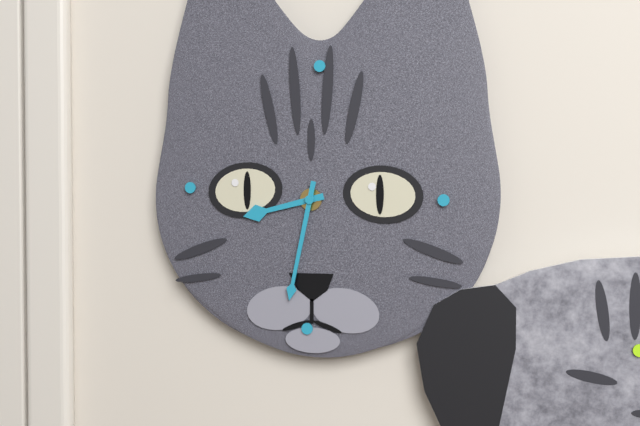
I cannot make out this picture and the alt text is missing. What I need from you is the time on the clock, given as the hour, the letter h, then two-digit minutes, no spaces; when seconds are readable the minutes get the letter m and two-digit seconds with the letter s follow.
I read 8h32
